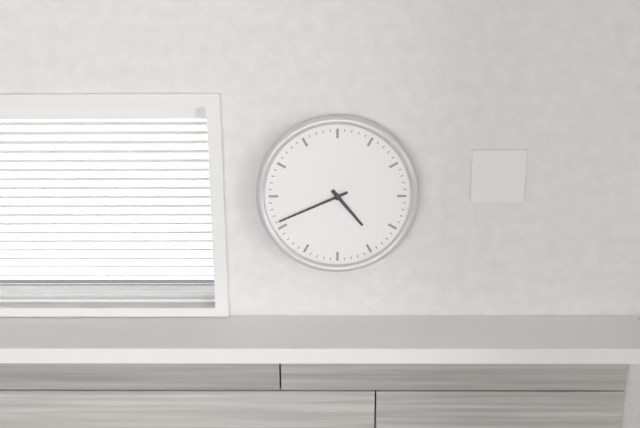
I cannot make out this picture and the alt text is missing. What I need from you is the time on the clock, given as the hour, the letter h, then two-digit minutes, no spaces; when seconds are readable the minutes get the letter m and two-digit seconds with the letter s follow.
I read 4h41
